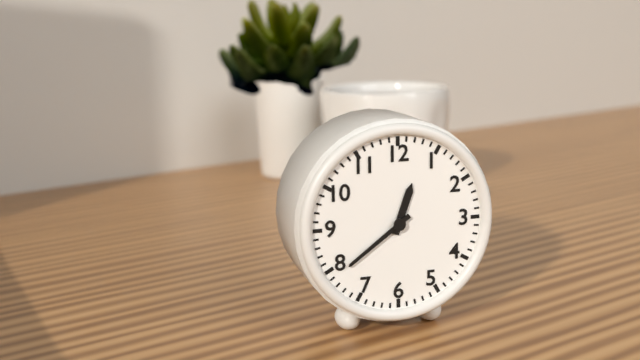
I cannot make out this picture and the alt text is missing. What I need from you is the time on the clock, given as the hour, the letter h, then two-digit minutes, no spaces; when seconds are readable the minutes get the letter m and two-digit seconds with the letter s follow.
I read 12h39
